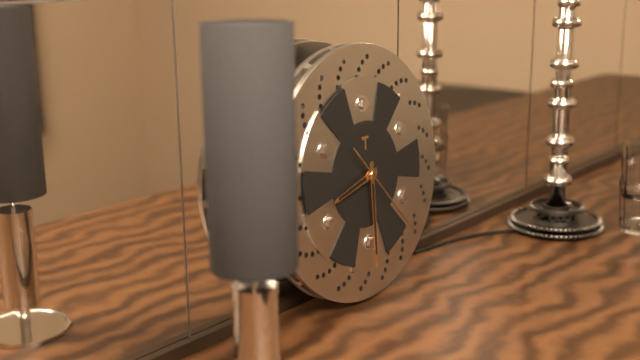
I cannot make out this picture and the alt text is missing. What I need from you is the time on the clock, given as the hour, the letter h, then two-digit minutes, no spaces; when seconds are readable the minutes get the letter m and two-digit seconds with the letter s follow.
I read 8h30m23s
